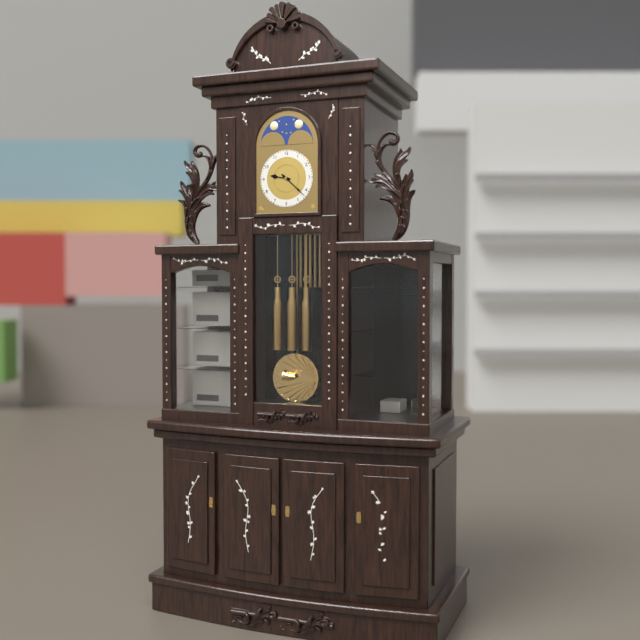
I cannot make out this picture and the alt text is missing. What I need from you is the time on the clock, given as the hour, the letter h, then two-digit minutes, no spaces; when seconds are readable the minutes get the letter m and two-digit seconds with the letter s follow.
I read 9h22
